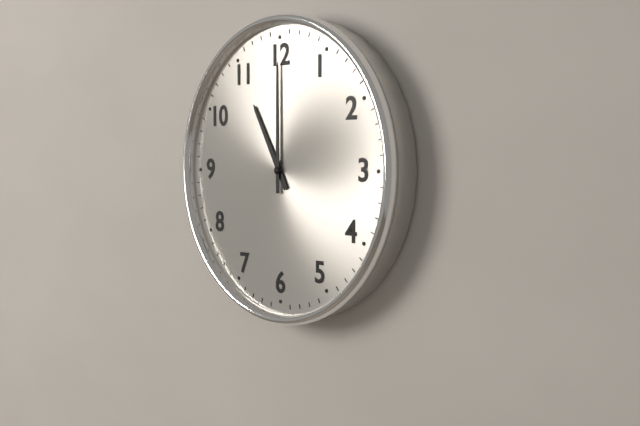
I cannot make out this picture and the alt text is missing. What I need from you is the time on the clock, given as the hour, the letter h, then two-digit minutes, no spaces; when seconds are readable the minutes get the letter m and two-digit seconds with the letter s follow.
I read 11h00
